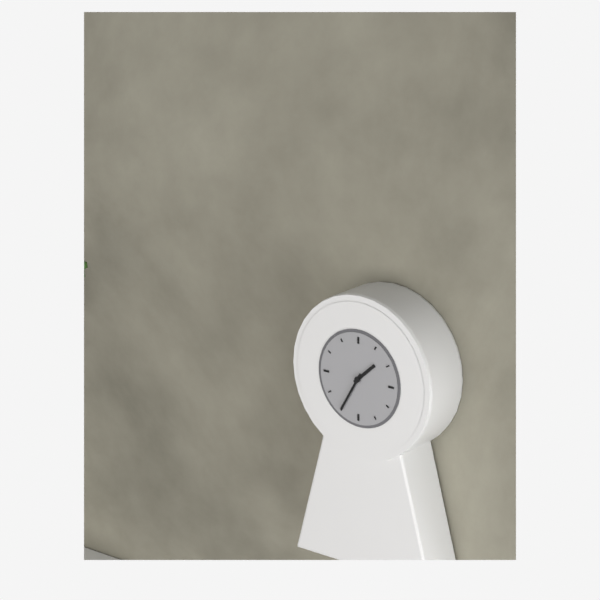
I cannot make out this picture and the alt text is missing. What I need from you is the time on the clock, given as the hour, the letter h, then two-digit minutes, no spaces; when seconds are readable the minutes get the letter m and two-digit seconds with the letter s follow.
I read 1h35
